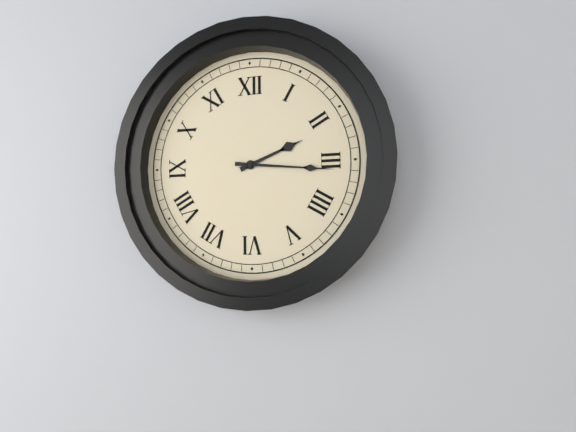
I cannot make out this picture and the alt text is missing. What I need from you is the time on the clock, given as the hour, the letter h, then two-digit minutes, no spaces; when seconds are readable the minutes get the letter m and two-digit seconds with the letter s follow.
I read 2h16
